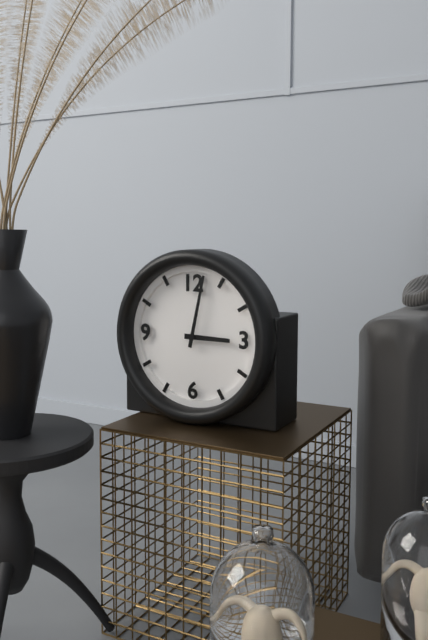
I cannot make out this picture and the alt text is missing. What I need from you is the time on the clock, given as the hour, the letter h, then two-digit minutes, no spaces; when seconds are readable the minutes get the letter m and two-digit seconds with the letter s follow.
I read 3h02
